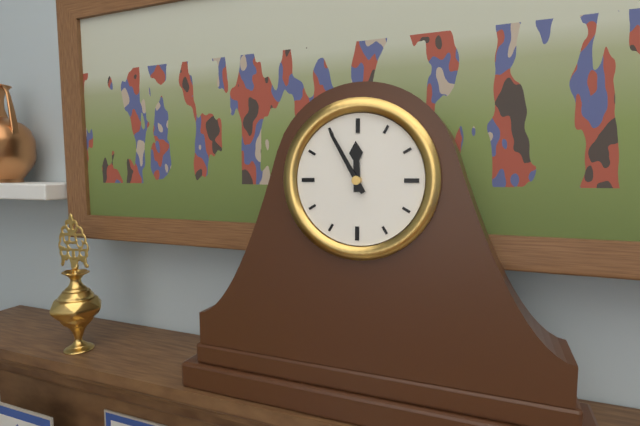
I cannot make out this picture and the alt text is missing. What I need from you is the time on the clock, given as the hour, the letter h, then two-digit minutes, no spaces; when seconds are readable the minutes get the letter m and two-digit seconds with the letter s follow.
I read 11h55
